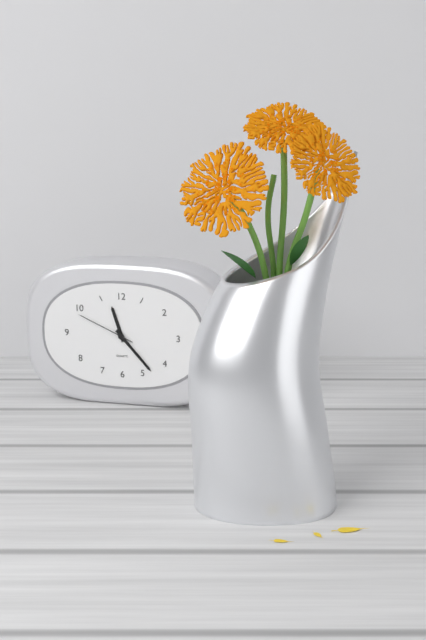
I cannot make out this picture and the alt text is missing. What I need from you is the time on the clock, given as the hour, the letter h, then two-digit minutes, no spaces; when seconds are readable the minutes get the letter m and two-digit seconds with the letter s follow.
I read 11h23m49s
